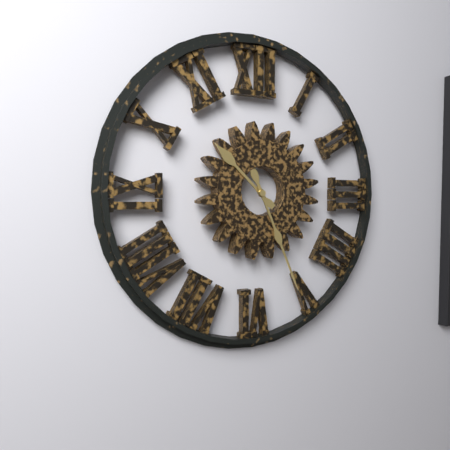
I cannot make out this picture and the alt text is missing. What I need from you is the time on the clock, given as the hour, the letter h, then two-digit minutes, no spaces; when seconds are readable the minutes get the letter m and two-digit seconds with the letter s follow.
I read 10h26
